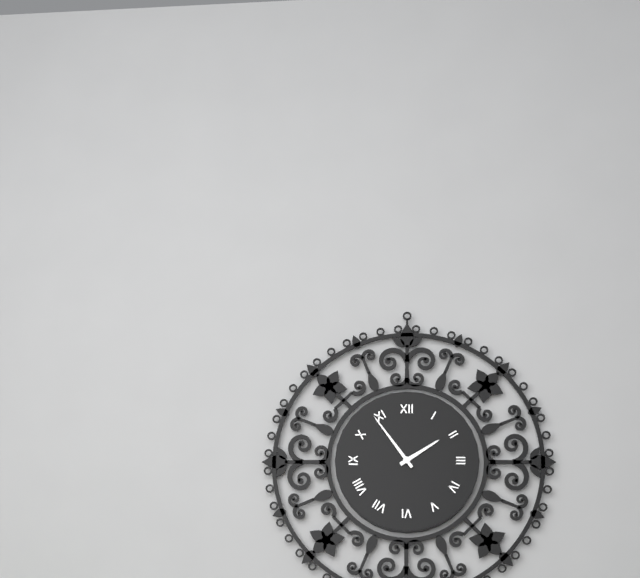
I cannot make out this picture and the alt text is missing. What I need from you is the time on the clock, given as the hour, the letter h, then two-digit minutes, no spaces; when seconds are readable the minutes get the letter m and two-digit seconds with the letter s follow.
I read 1h54
